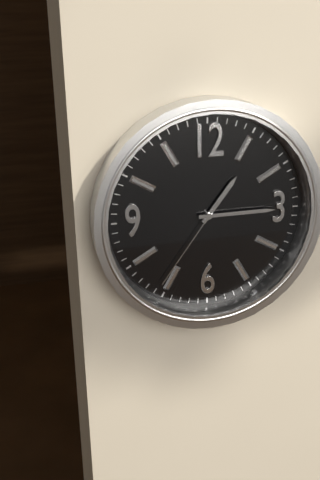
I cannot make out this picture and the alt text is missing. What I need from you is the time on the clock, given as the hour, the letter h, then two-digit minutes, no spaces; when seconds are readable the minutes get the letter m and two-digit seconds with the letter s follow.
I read 1h15m36s
